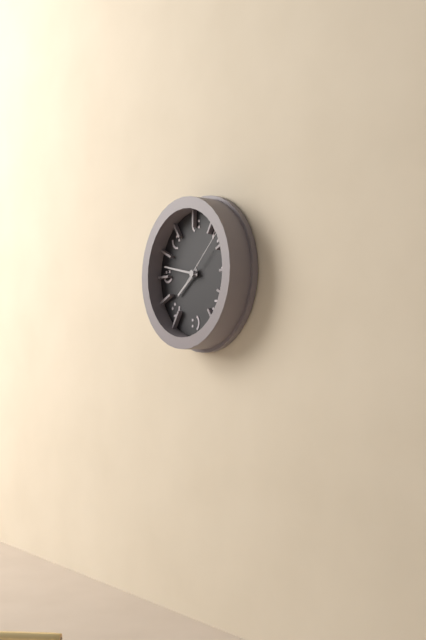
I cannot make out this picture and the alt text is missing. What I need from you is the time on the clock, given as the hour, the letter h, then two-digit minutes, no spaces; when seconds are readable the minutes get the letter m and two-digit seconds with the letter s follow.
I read 7h47m08s
